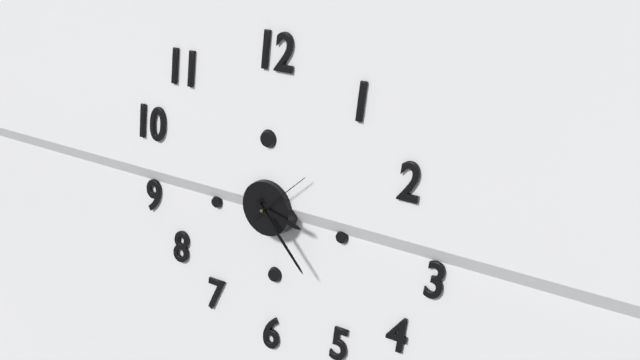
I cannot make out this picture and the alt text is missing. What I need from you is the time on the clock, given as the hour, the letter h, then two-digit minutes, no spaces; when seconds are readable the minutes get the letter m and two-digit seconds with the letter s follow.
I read 3h23m08s
